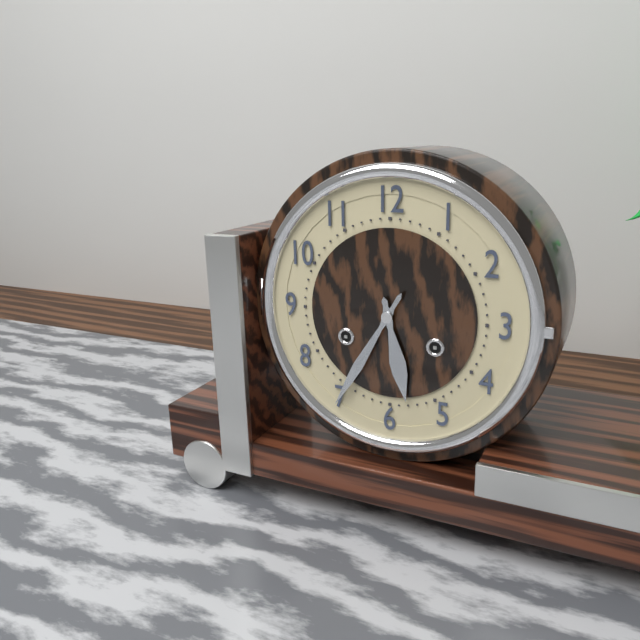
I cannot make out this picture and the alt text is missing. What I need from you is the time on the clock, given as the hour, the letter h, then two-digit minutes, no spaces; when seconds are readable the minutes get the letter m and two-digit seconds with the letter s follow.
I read 5h35
